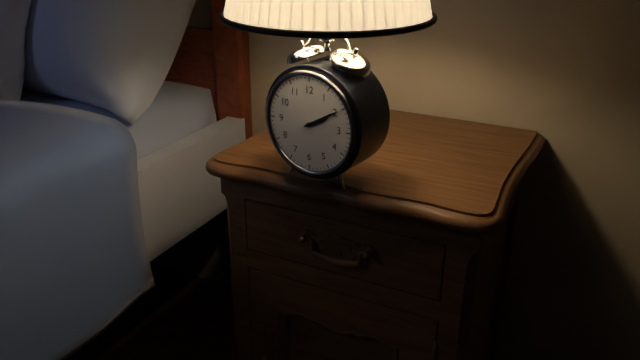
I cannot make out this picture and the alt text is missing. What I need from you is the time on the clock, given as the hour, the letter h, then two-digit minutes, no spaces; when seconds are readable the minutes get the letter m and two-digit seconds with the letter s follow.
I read 2h10
